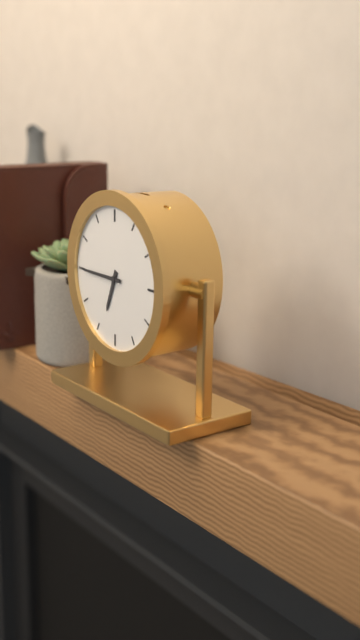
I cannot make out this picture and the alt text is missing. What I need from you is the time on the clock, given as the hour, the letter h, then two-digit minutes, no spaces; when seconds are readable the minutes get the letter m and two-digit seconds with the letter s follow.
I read 6h45
